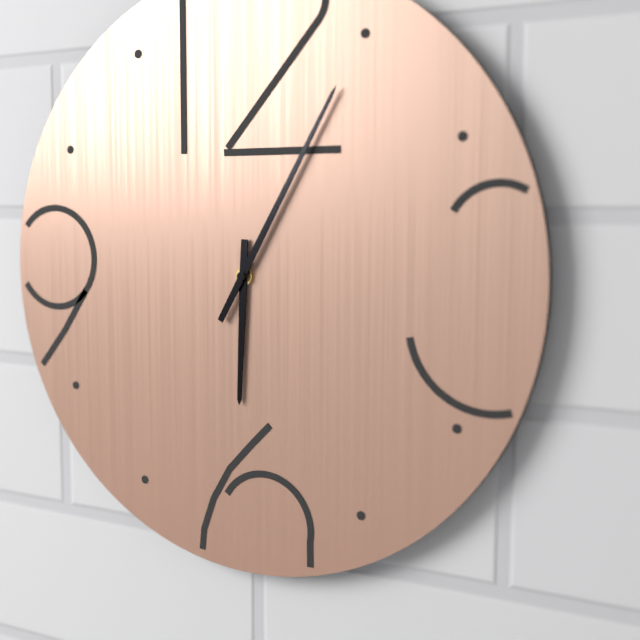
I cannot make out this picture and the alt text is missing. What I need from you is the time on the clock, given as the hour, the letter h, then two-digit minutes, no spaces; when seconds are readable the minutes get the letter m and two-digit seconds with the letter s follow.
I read 6h05
